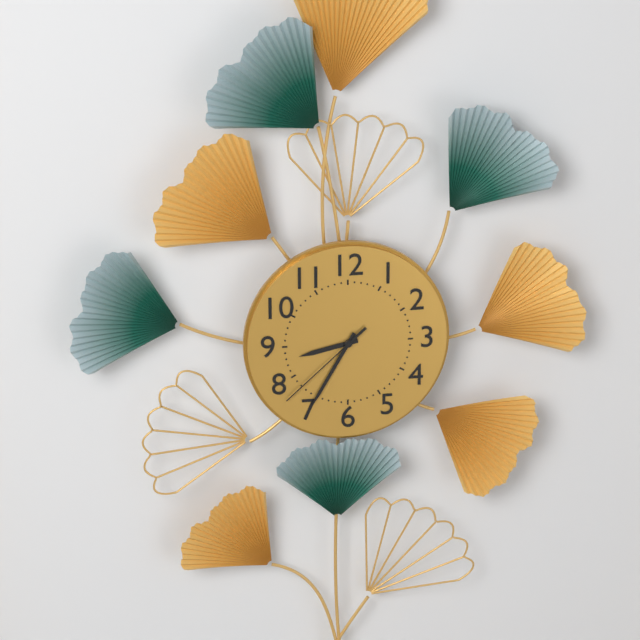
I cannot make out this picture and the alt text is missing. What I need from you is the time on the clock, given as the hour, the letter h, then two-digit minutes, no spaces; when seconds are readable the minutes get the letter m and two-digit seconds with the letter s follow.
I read 8h35m38s
